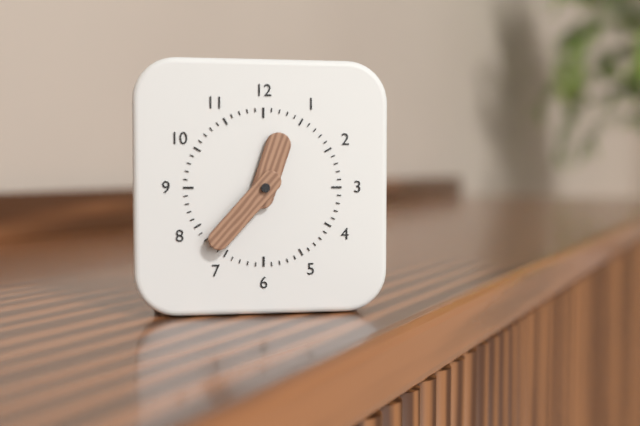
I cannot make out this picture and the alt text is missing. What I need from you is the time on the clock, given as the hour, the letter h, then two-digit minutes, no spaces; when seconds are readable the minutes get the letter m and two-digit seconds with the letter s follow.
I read 12h37
